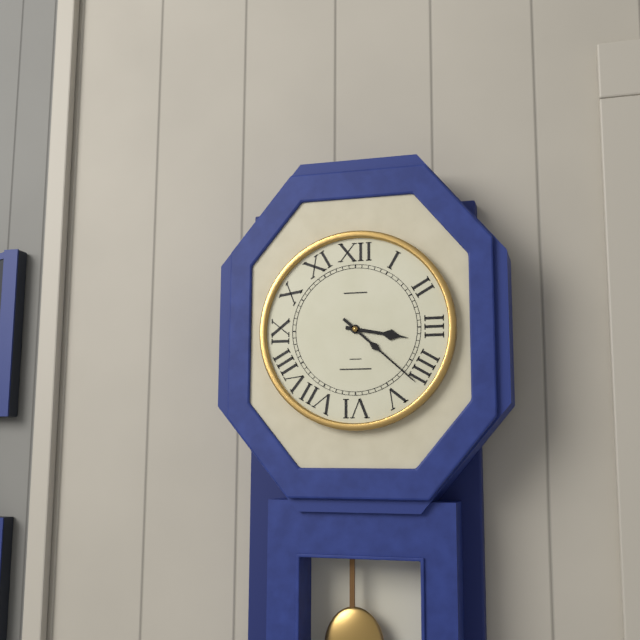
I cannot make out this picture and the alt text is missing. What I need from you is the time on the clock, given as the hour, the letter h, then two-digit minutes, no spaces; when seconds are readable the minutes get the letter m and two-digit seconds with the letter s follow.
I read 3h22
